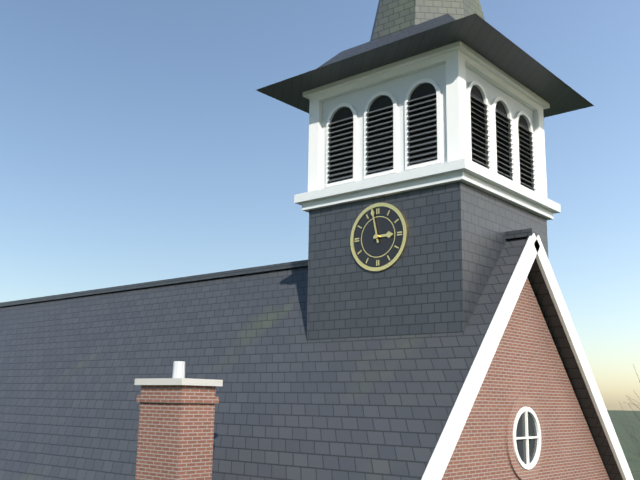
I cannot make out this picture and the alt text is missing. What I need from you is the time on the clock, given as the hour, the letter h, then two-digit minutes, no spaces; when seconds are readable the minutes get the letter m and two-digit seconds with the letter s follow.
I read 2h58
